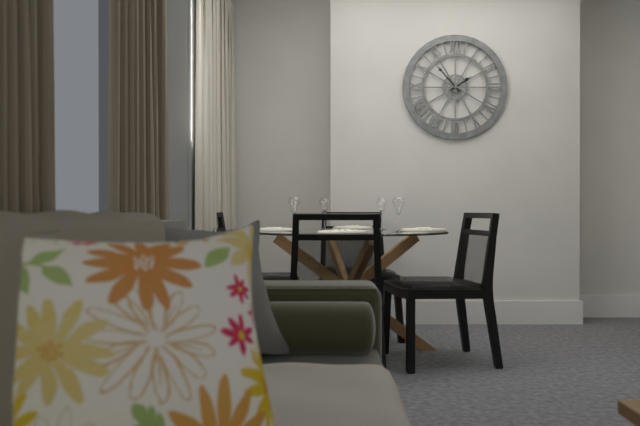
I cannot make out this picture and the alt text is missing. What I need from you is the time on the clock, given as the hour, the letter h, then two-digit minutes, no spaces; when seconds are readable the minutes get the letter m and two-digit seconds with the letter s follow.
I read 1h53
